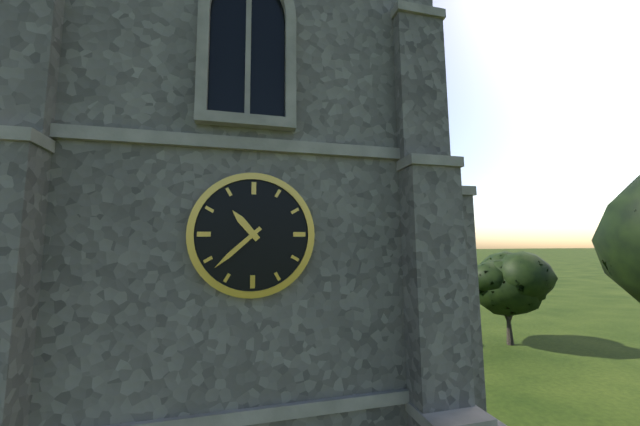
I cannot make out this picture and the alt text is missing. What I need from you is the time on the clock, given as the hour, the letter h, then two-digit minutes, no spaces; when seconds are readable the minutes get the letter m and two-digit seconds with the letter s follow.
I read 10h38
